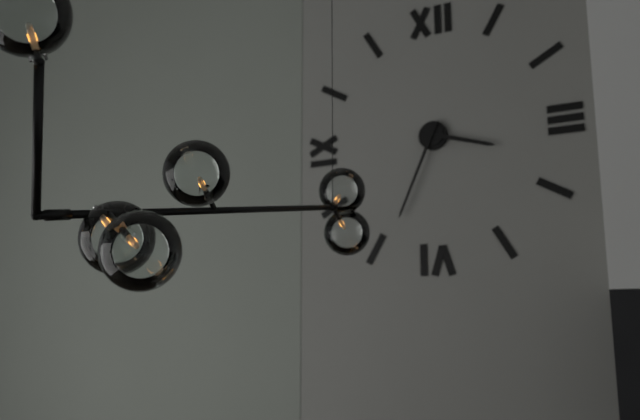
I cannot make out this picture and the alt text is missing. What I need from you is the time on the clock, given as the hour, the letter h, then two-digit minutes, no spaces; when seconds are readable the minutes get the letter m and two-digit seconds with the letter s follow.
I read 3h34
